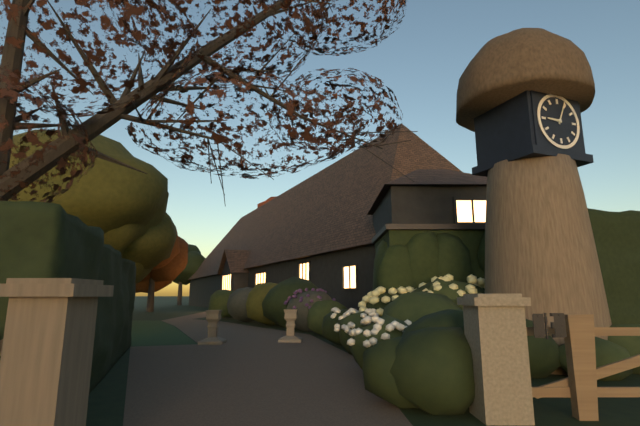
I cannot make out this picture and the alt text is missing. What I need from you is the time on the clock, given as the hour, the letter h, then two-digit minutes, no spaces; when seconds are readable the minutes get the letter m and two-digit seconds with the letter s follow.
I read 9h04
